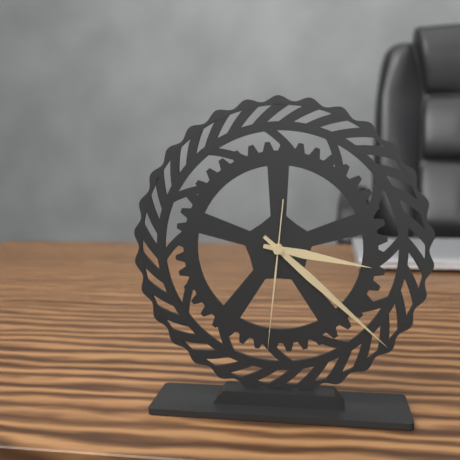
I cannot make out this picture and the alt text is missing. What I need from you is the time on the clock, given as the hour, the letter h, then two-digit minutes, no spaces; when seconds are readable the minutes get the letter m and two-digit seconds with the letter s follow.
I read 3h22m31s
